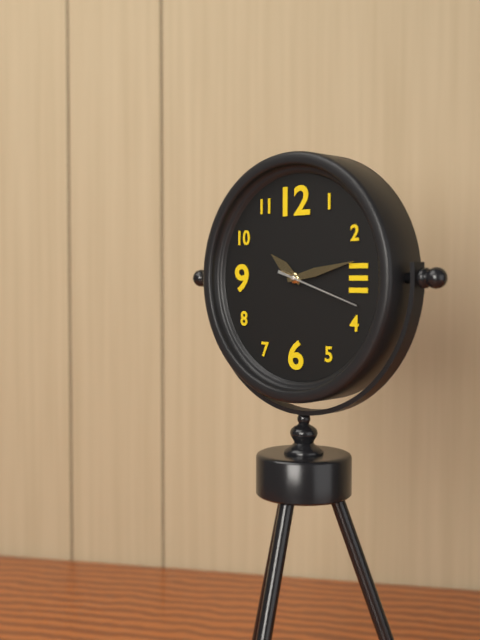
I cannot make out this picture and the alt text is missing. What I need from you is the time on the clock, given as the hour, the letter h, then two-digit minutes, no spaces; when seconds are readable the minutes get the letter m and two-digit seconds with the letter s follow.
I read 10h13m18s
